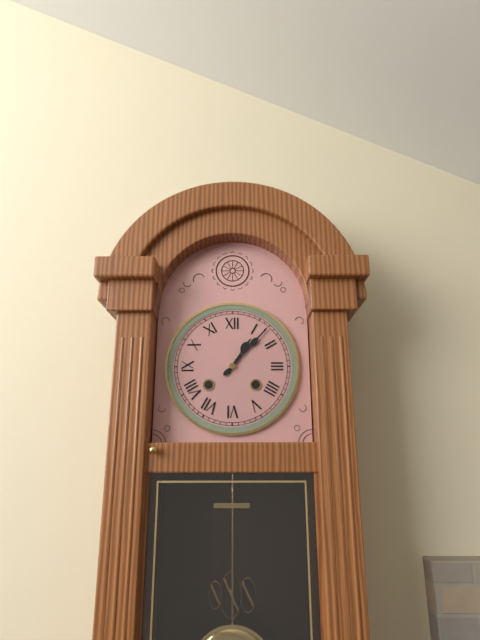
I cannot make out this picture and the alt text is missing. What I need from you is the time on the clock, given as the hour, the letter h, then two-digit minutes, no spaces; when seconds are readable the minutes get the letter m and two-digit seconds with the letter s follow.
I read 1h07
